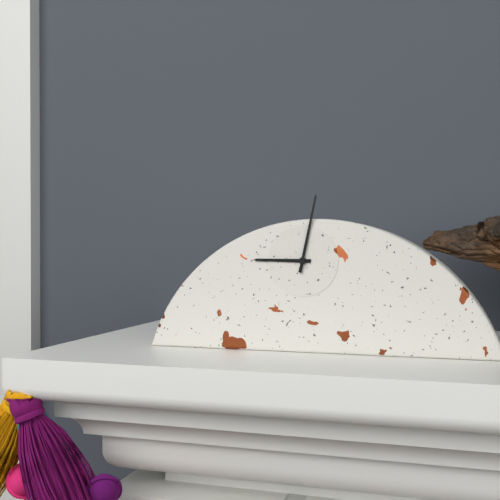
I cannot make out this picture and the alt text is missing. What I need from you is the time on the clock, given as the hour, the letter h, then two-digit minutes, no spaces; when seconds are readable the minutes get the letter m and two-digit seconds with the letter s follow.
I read 9h02
